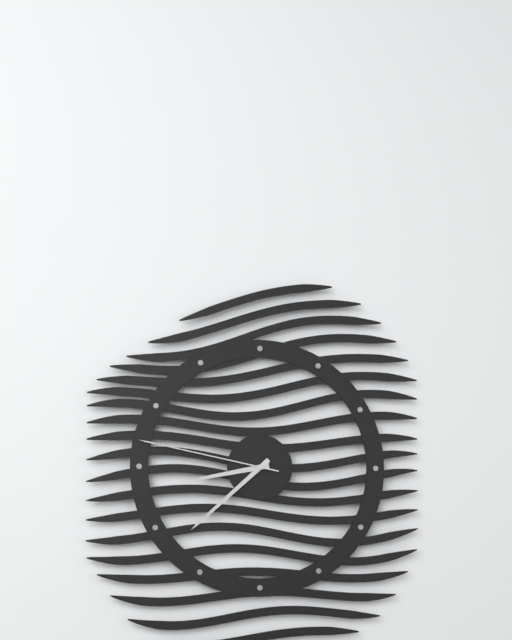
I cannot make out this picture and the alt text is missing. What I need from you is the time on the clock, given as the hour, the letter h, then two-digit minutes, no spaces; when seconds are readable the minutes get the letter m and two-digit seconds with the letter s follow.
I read 8h38m47s
